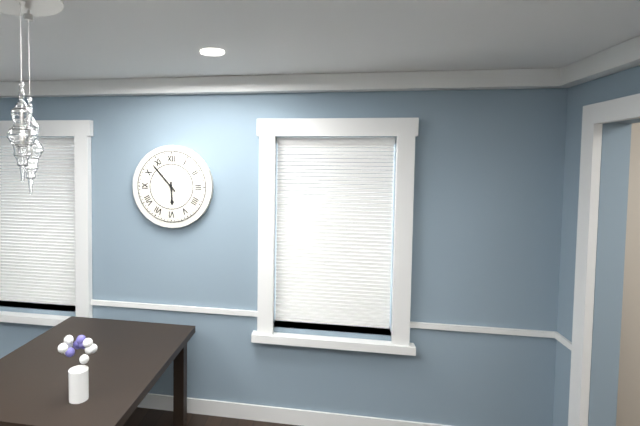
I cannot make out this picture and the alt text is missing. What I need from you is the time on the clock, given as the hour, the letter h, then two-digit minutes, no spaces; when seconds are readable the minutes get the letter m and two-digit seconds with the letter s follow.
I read 5h53
